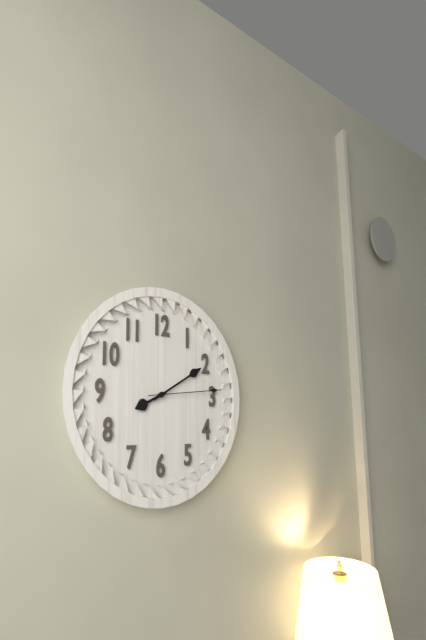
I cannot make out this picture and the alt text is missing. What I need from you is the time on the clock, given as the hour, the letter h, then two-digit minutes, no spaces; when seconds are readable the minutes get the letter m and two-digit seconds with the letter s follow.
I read 8h10m14s
